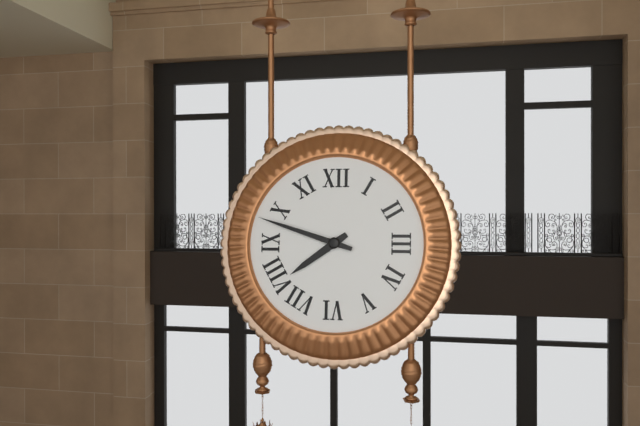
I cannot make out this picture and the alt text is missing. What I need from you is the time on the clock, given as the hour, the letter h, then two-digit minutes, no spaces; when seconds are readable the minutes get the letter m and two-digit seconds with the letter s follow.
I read 7h48
